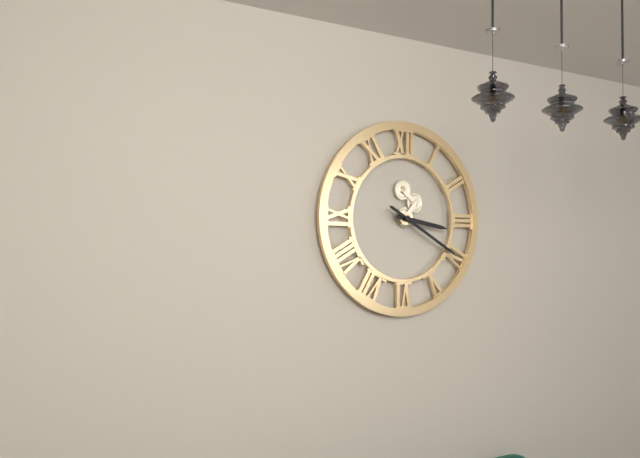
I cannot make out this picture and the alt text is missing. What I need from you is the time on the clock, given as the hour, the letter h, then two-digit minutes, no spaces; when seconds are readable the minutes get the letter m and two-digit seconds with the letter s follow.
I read 3h20
